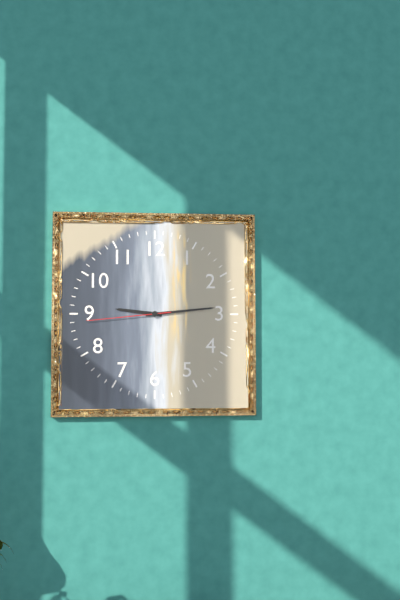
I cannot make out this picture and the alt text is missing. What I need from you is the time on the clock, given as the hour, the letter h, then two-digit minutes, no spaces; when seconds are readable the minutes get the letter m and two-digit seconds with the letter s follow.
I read 9h14m44s
